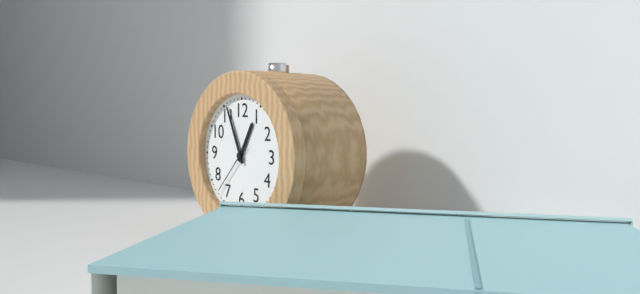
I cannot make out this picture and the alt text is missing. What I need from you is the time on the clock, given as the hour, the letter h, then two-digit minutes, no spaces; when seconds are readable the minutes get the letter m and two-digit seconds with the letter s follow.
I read 12h56m37s
